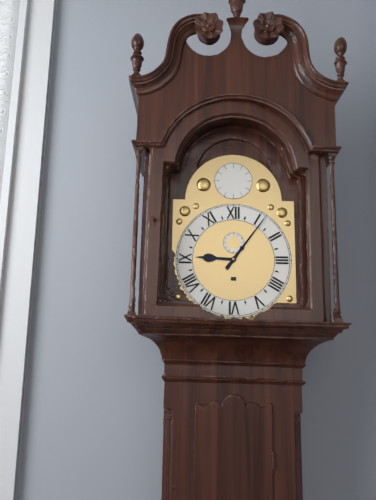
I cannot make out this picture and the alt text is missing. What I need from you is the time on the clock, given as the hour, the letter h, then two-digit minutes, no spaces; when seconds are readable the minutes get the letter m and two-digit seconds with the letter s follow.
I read 9h06
